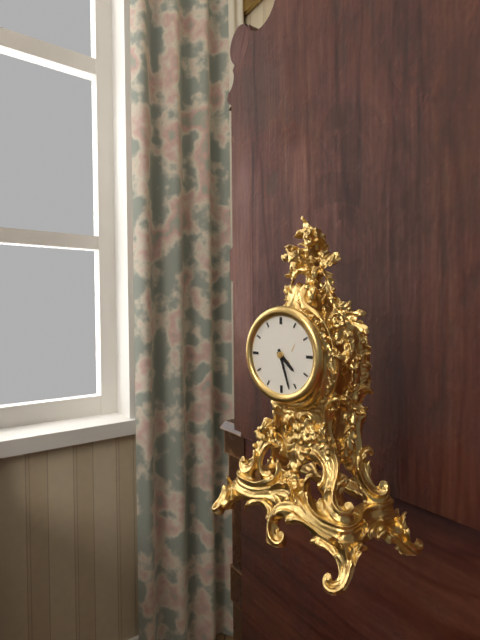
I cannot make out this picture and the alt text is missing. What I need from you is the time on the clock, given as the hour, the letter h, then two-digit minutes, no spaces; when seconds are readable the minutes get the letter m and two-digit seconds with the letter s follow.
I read 4h27
